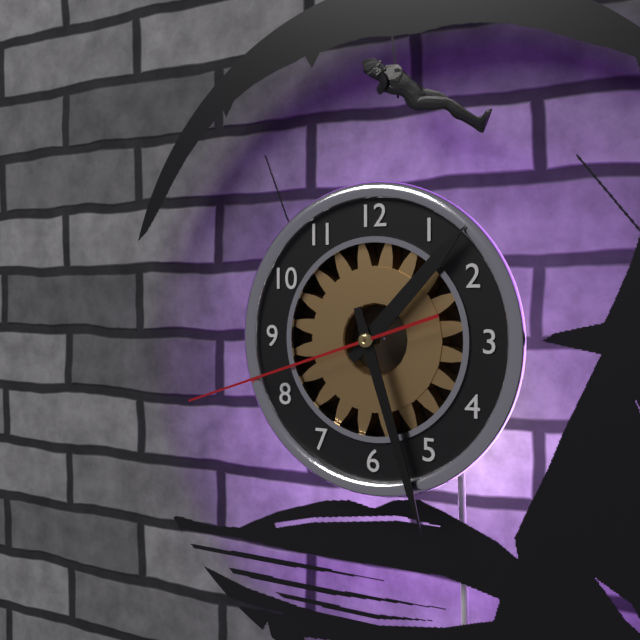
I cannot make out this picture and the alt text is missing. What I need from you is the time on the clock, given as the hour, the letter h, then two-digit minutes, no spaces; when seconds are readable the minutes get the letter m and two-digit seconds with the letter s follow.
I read 1h27m42s
